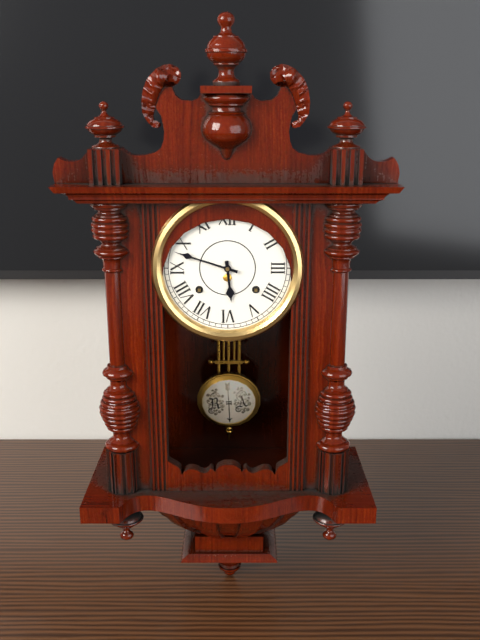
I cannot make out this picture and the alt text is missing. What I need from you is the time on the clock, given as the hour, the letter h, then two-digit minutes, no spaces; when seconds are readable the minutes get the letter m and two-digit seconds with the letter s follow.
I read 5h48
